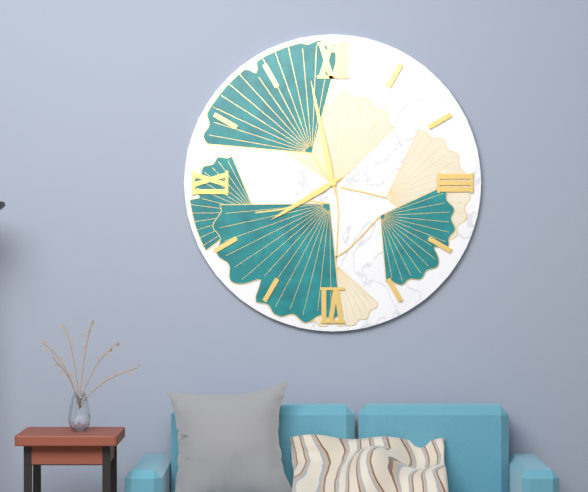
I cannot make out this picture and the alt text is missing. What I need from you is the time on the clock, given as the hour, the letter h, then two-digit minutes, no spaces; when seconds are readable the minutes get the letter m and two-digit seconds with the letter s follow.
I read 7h58
